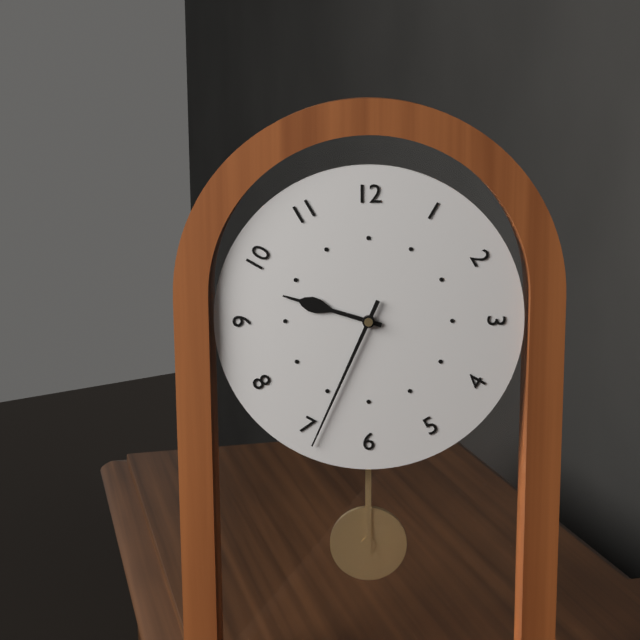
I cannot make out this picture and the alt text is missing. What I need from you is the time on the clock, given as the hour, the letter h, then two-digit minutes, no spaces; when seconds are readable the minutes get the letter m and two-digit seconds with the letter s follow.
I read 9h34
